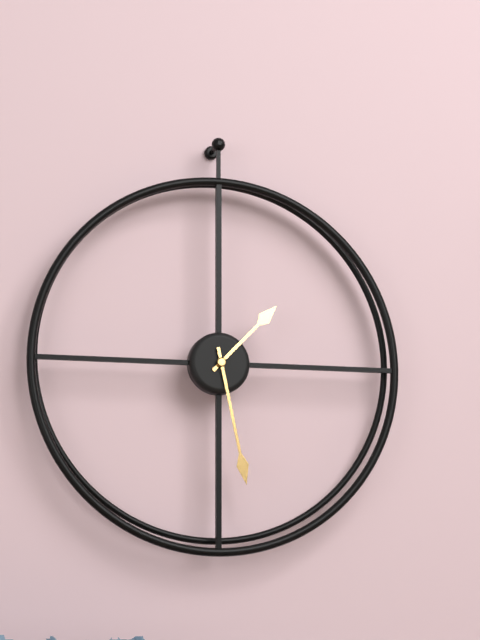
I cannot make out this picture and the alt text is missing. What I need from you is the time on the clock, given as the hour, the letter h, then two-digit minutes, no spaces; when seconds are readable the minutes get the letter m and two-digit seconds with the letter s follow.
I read 1h28
